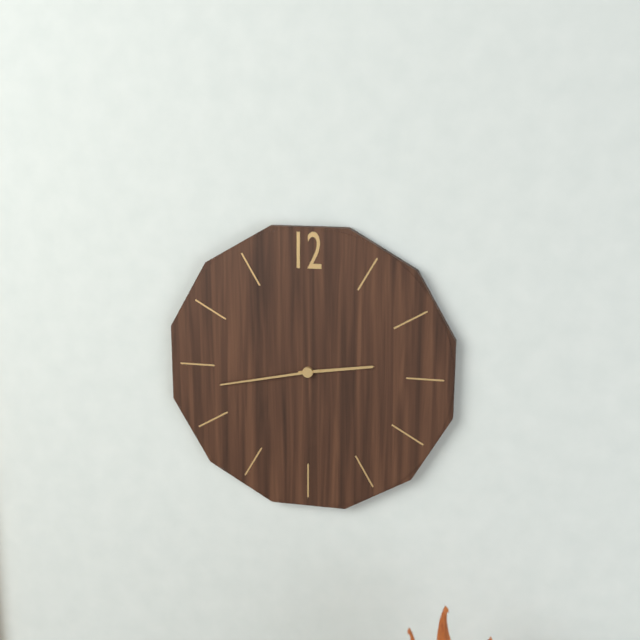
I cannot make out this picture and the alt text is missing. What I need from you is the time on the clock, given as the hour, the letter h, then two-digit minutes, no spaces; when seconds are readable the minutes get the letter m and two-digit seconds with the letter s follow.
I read 2h43
